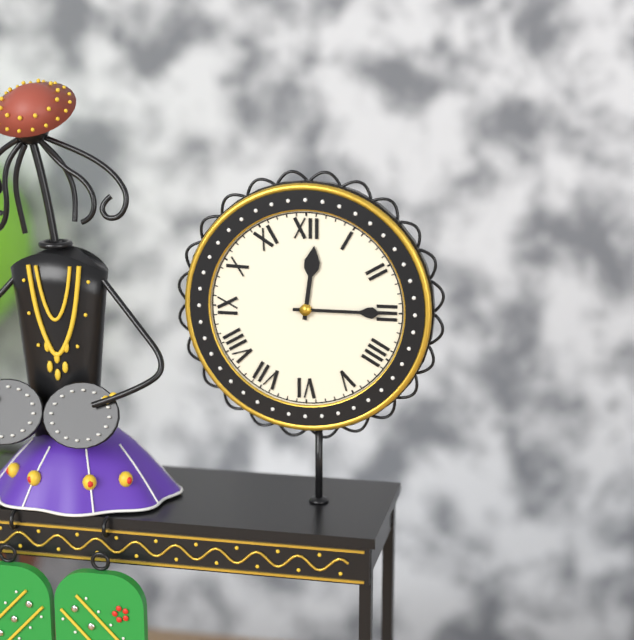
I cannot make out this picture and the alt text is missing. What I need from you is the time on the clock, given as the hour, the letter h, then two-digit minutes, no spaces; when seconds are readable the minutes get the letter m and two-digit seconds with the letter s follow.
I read 12h15
